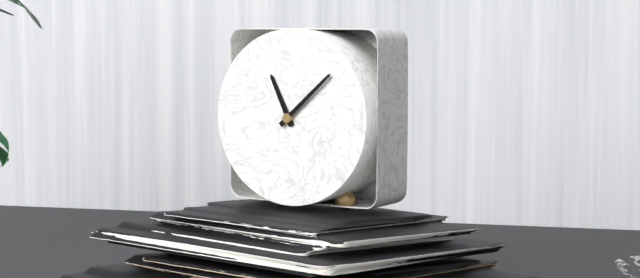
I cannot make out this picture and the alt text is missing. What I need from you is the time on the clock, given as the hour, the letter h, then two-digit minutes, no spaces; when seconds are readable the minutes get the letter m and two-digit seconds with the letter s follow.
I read 11h08
